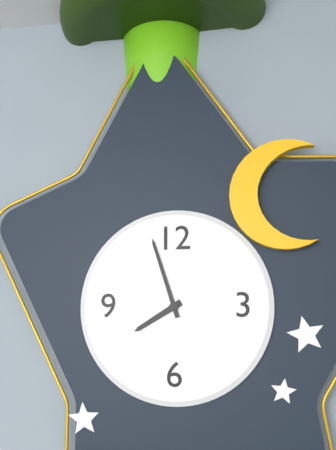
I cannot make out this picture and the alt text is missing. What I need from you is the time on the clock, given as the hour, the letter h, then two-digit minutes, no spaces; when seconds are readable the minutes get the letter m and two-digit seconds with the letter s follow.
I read 7h57
